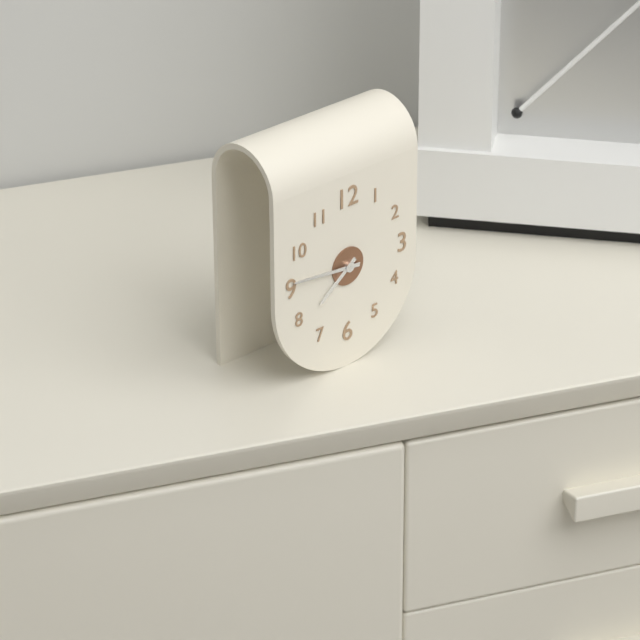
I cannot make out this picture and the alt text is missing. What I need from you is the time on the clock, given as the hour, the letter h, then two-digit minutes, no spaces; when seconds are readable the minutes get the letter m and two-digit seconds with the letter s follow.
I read 7h46
